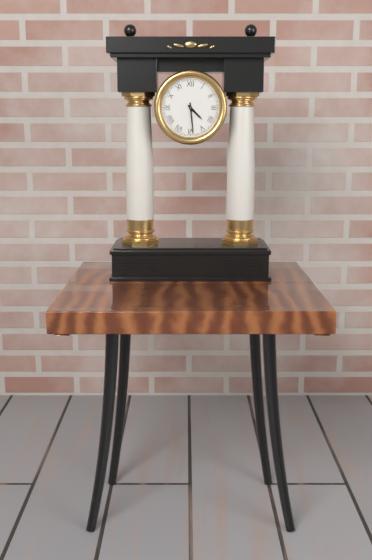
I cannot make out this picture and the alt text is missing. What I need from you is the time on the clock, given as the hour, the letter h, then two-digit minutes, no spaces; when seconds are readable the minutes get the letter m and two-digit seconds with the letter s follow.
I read 4h29
